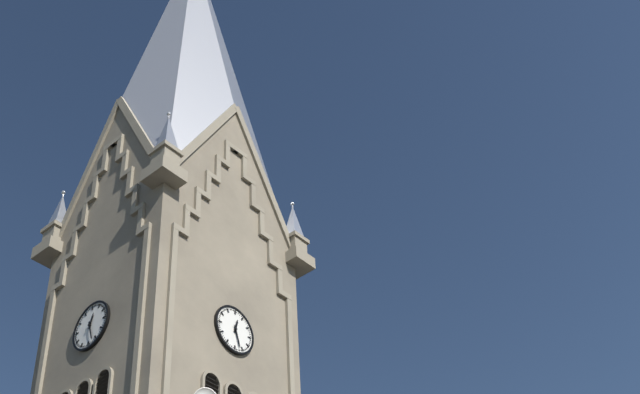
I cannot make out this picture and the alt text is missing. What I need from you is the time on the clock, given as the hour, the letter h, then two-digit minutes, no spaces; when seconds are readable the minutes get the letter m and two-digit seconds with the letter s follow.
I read 12h27
